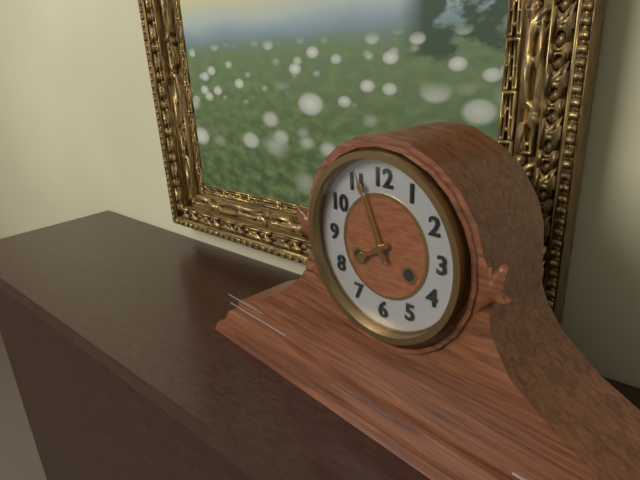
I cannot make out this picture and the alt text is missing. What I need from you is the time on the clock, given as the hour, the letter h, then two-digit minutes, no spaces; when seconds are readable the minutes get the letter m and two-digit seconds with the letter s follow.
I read 7h56
